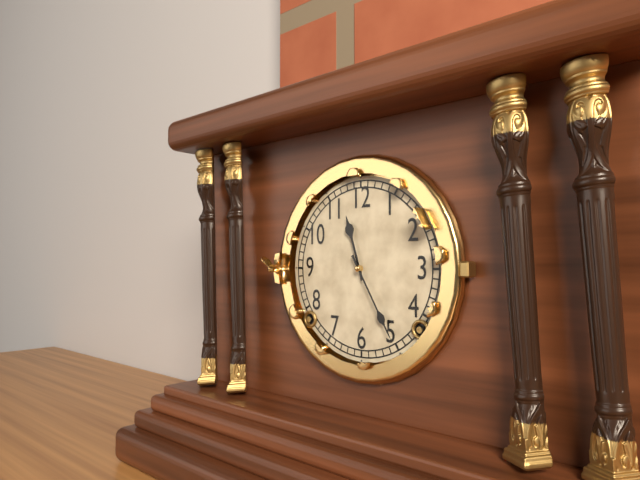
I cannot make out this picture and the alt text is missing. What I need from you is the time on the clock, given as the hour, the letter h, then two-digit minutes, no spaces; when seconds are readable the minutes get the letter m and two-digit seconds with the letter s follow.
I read 11h25
